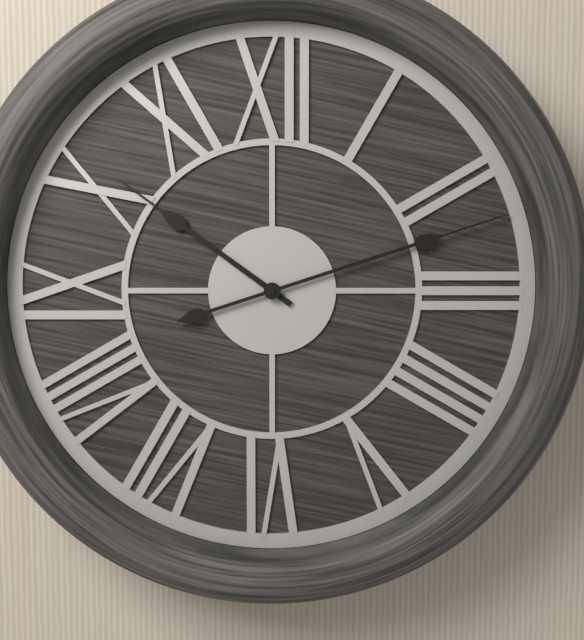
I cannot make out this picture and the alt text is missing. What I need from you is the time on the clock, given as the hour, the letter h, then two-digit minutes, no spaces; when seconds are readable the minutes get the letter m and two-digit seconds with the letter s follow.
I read 10h12
